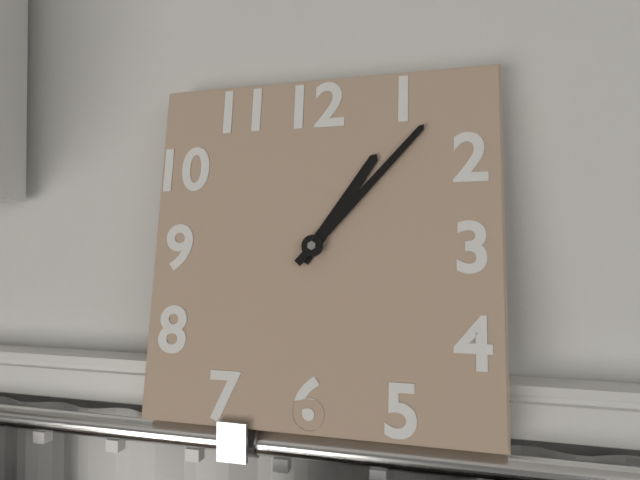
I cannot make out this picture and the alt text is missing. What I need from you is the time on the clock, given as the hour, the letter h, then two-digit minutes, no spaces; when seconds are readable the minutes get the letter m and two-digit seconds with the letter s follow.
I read 1h07
